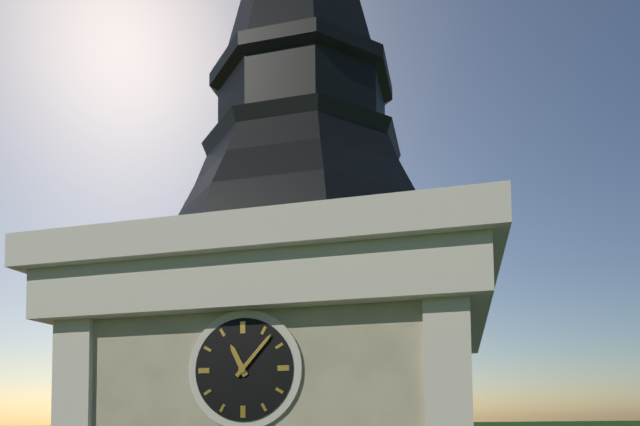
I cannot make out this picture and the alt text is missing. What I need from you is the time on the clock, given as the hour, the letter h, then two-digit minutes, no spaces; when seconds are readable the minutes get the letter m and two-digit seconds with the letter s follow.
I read 11h07
